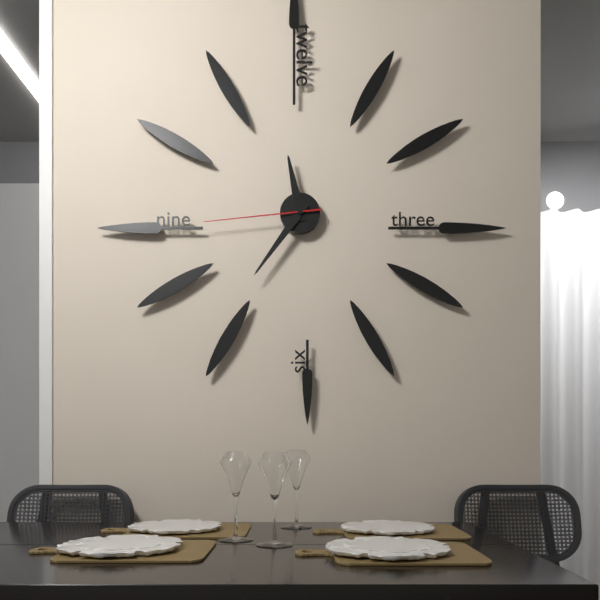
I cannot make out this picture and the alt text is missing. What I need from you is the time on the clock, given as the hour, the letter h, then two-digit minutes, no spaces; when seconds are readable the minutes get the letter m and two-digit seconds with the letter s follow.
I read 11h36m44s
